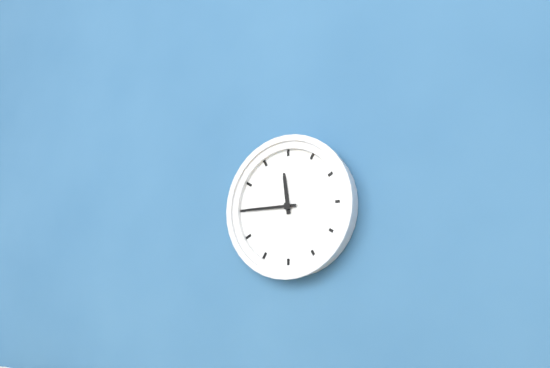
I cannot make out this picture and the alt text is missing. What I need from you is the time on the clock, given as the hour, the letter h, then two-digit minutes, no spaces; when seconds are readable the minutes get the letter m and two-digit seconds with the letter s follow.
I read 11h45
